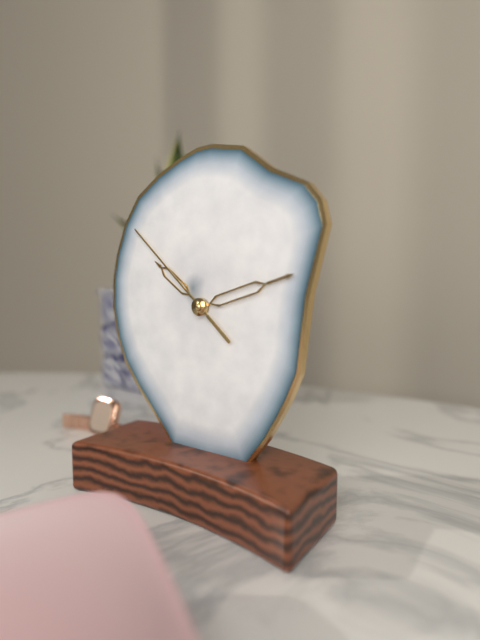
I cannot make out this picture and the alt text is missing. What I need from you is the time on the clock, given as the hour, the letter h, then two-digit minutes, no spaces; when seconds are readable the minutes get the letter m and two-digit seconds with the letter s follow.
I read 10h12m52s
